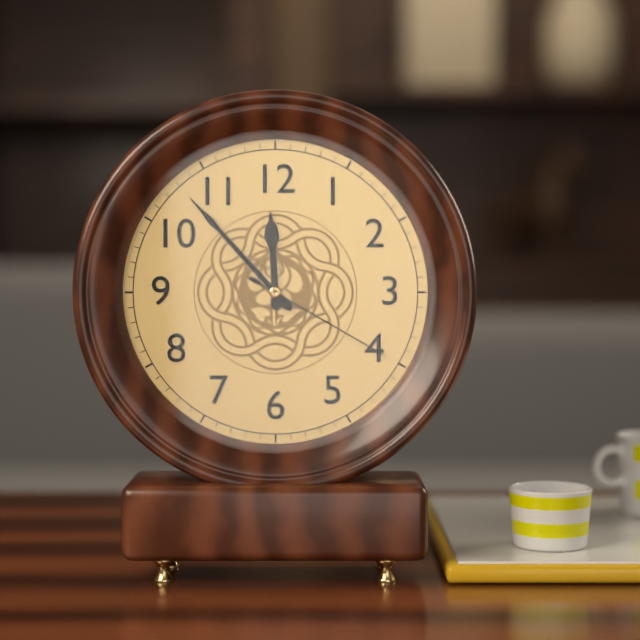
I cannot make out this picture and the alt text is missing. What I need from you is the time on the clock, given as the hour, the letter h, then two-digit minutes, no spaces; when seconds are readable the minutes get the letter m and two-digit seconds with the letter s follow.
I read 11h53m20s
